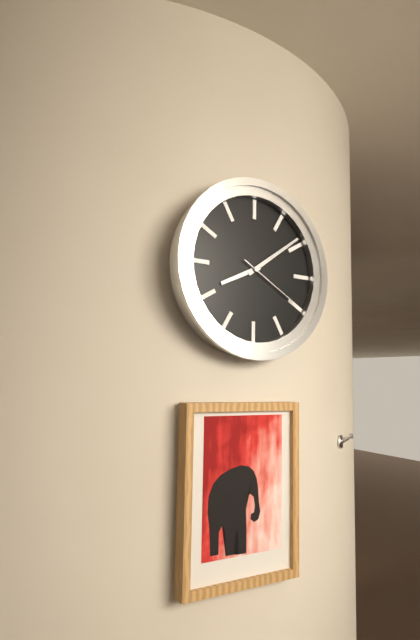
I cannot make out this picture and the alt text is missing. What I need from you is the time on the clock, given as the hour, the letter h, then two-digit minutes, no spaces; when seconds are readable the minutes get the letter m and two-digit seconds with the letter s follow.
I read 8h09m20s
